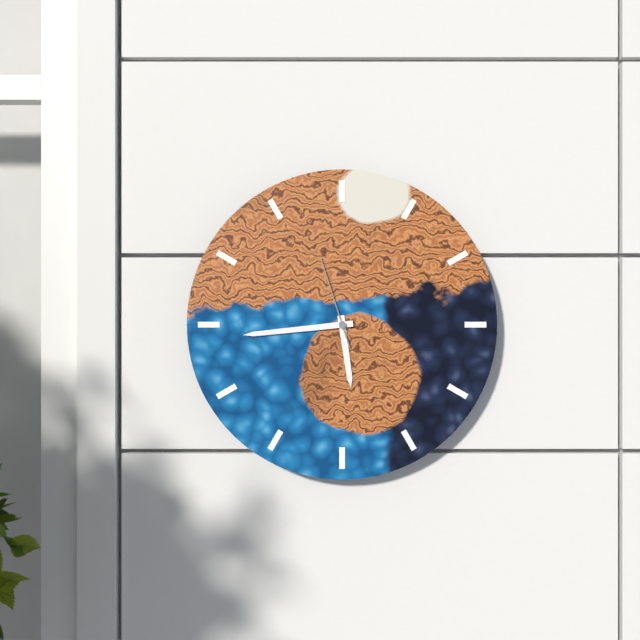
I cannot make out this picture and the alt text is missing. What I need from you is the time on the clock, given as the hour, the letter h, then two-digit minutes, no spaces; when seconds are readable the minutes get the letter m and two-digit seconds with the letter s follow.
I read 5h44m57s
